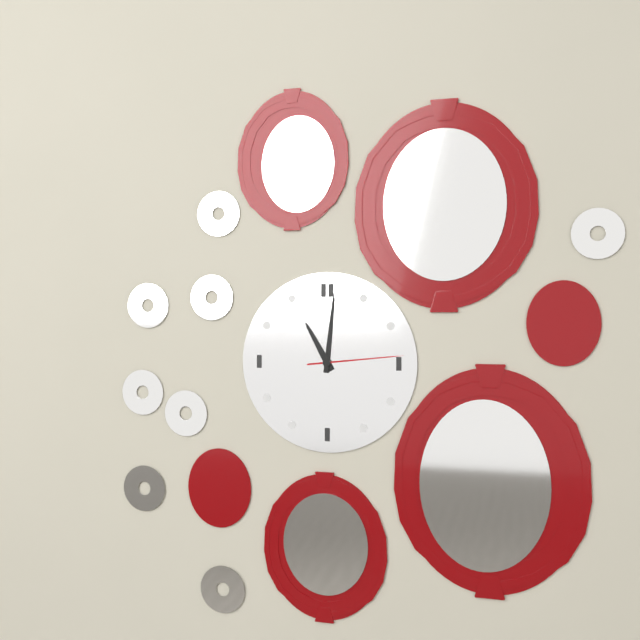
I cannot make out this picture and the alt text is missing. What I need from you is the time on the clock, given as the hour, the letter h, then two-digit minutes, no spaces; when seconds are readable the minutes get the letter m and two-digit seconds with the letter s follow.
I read 11h01m14s
